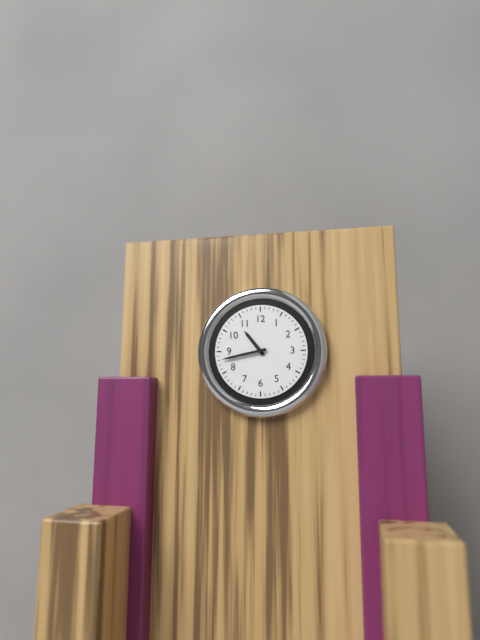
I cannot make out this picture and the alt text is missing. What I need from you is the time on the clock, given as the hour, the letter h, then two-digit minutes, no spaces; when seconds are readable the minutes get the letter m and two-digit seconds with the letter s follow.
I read 10h43
